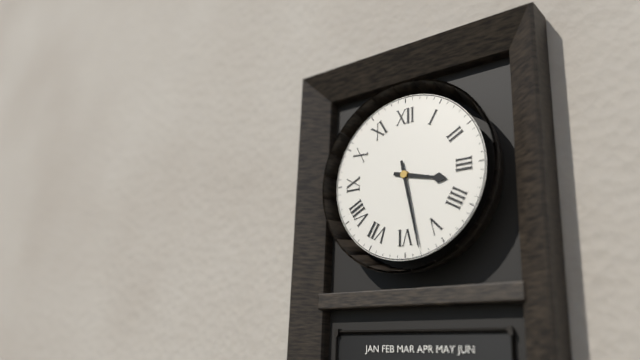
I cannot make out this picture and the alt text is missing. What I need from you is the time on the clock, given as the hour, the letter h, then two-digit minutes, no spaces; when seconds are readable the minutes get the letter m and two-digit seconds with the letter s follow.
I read 3h28
